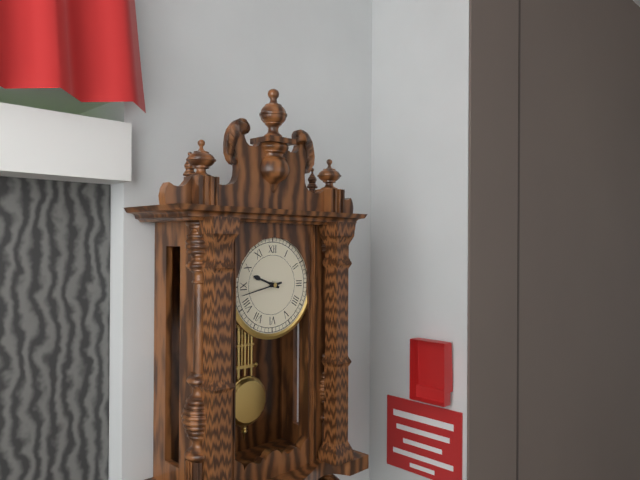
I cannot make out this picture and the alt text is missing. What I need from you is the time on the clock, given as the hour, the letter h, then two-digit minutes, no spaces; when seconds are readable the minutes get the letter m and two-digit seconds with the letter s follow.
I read 9h43
